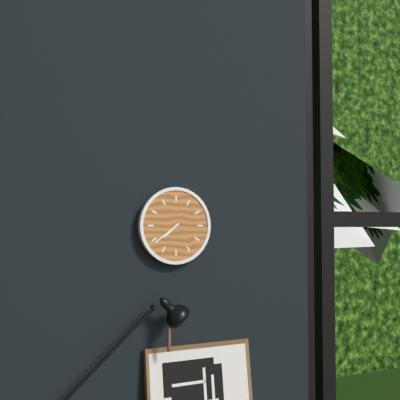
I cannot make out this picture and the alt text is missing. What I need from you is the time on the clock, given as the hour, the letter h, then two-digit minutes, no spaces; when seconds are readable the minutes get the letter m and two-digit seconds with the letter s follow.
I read 7h39
